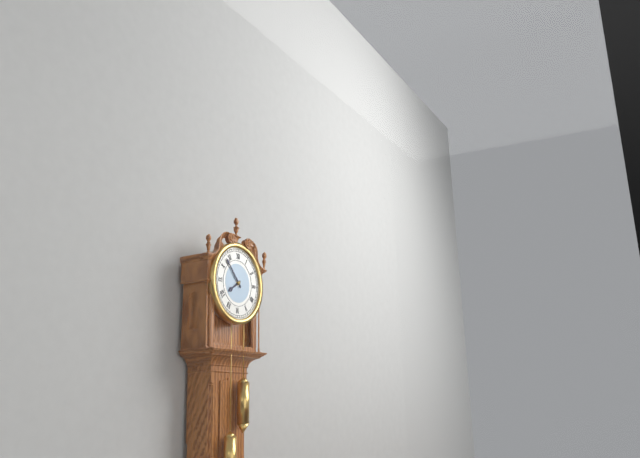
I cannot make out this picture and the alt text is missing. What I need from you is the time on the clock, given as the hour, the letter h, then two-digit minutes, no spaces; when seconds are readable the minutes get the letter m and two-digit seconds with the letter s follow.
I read 7h53
